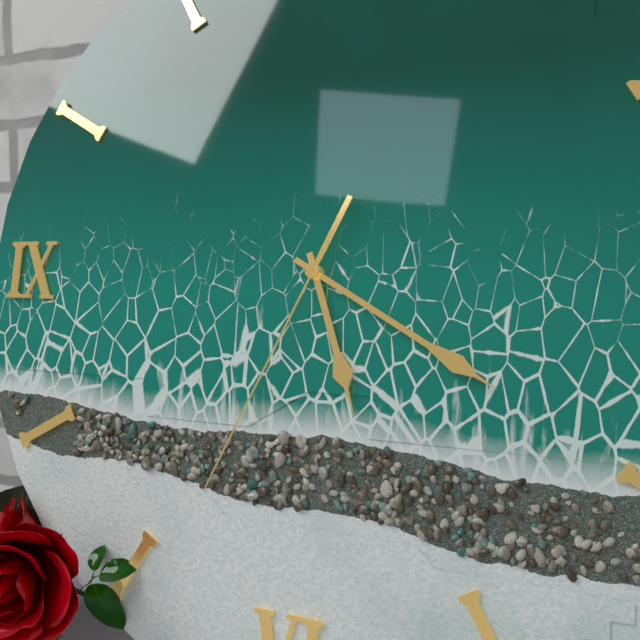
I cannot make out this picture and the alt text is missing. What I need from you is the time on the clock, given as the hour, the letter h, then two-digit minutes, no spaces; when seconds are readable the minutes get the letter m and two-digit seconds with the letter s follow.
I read 5h20m34s
